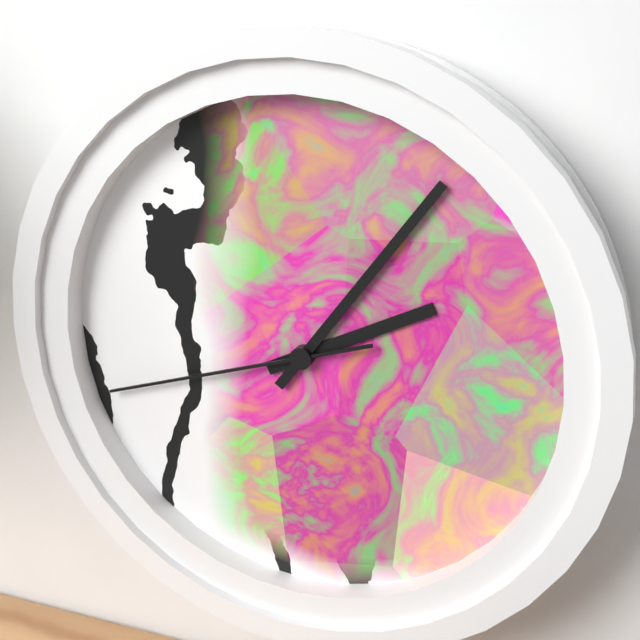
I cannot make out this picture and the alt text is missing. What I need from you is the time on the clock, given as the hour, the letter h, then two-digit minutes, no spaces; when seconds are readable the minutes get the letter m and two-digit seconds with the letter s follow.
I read 2h06m42s
